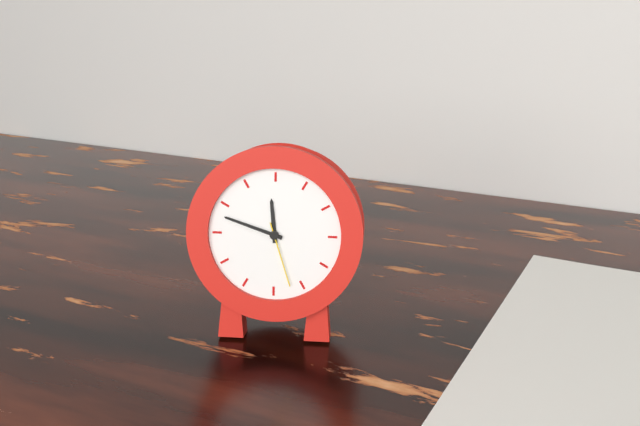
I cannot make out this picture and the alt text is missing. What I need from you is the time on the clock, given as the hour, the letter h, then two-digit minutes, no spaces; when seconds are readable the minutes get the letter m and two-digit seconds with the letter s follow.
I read 11h48m27s
